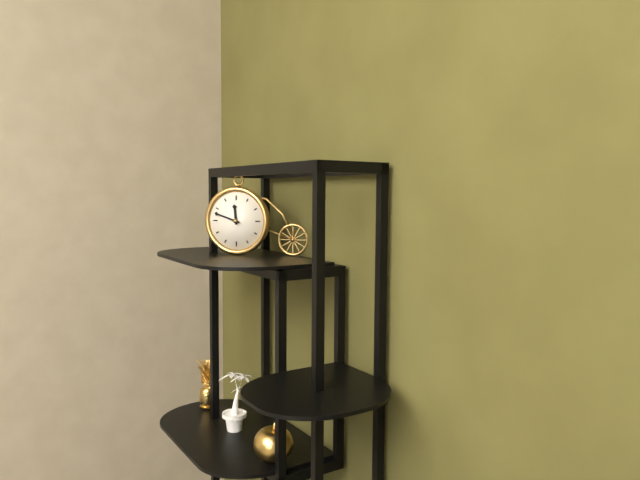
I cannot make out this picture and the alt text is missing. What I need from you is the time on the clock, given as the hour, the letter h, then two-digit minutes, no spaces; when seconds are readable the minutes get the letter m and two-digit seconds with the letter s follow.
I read 11h48
